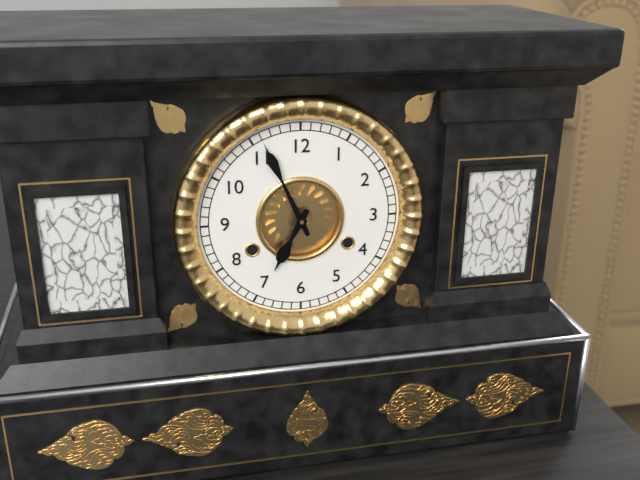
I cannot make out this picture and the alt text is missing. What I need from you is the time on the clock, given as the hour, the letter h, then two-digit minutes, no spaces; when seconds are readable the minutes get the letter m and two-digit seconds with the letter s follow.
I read 6h56
